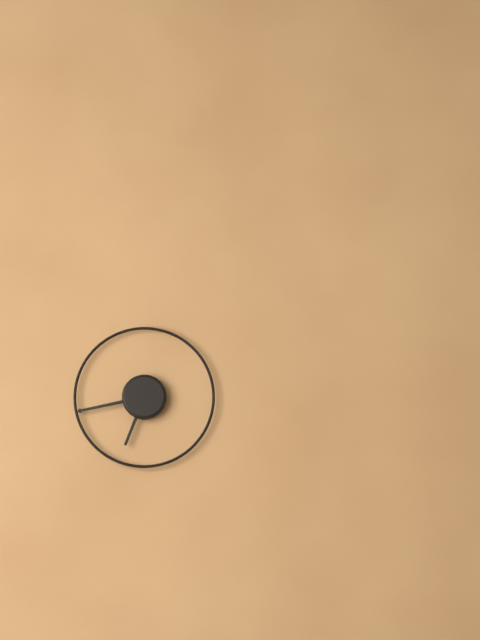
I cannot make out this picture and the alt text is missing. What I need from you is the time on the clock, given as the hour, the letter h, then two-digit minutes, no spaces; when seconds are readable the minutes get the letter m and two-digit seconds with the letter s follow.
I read 6h43
